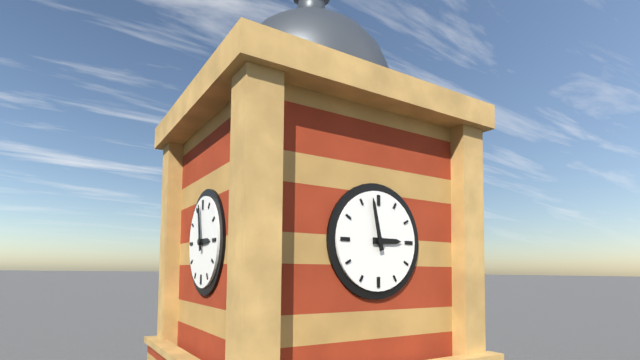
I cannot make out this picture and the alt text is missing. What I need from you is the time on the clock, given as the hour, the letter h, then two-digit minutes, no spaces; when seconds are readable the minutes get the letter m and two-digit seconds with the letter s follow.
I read 2h58
